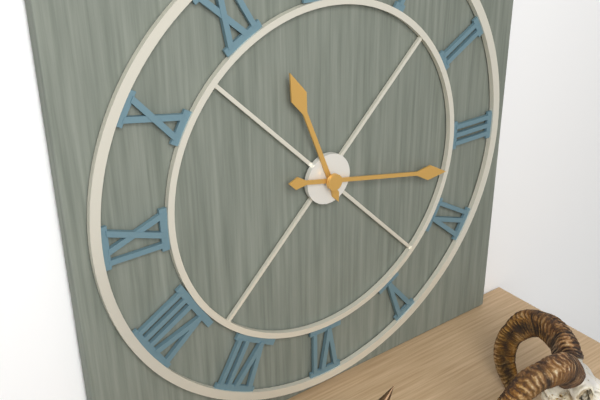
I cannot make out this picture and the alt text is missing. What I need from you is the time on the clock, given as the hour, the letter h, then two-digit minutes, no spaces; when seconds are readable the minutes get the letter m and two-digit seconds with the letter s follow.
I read 11h17
